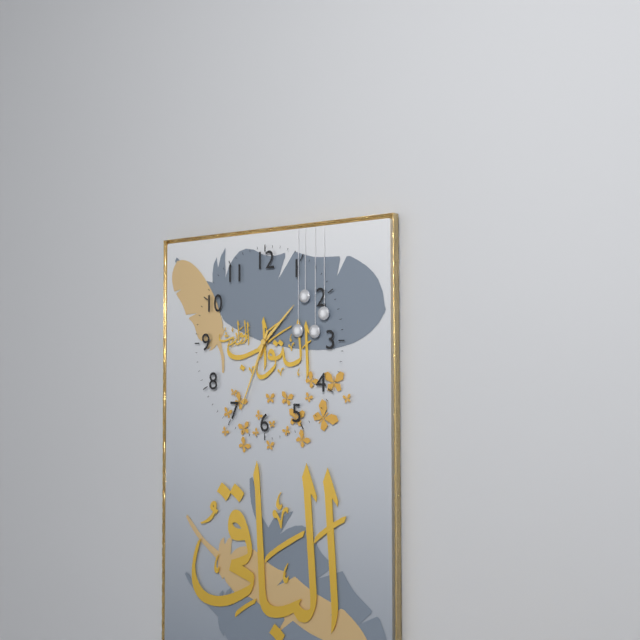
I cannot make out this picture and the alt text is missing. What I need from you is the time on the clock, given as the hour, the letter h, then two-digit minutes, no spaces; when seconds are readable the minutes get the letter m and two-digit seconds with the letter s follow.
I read 1h34
